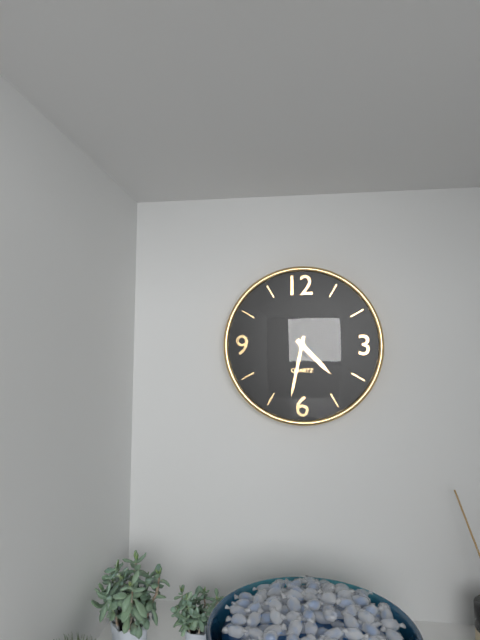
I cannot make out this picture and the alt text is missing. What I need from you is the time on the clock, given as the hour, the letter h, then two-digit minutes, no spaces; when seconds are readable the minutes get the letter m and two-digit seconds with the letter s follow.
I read 4h32
